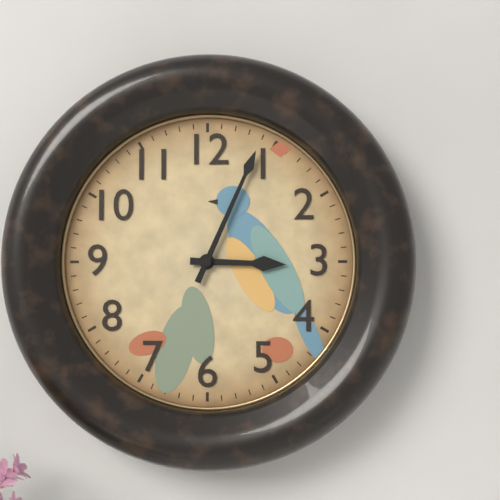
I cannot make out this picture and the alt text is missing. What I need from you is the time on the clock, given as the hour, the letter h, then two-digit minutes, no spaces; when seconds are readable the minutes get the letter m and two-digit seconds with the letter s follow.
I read 3h04
